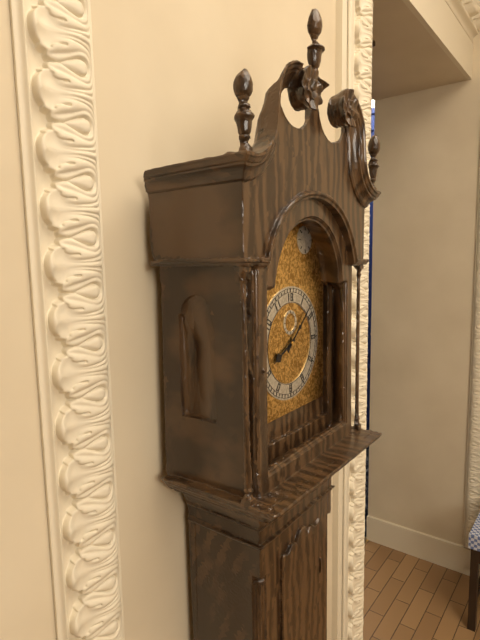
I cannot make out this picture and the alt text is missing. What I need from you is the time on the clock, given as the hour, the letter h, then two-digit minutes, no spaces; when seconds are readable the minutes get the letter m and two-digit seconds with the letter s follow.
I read 8h08
